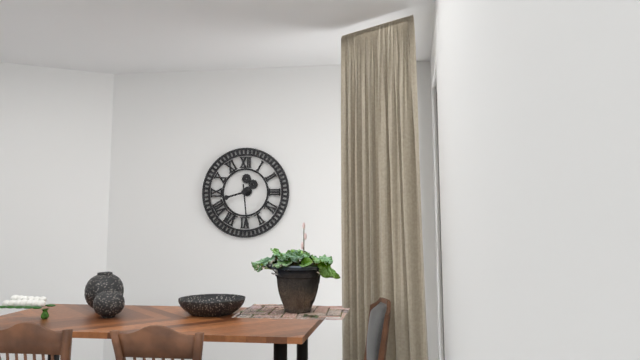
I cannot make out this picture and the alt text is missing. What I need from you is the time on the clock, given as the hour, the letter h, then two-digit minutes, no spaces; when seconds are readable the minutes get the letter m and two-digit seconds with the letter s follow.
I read 8h29
